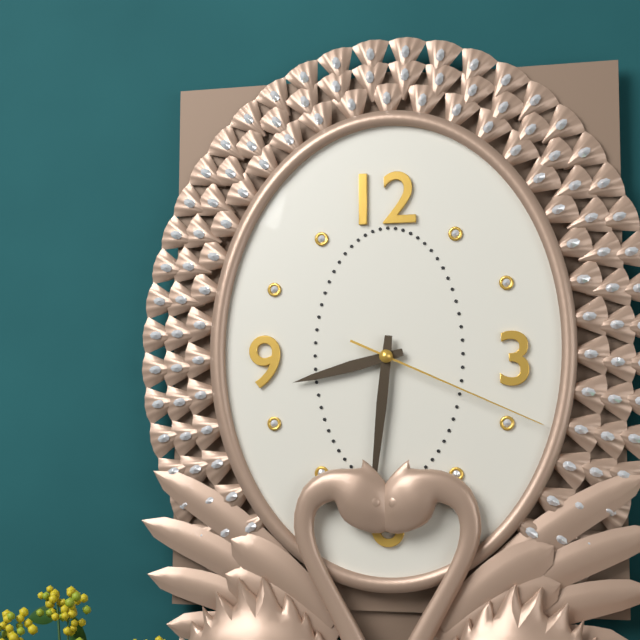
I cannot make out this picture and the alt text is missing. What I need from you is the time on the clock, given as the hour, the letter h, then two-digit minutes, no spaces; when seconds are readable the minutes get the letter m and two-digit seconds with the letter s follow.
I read 8h31m19s
